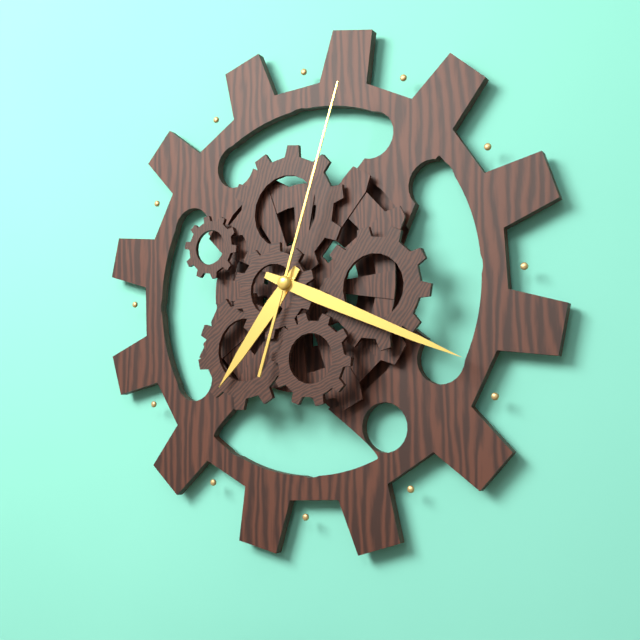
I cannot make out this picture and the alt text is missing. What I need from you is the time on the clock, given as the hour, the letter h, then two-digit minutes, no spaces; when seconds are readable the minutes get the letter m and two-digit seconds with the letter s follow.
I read 7h19m03s
